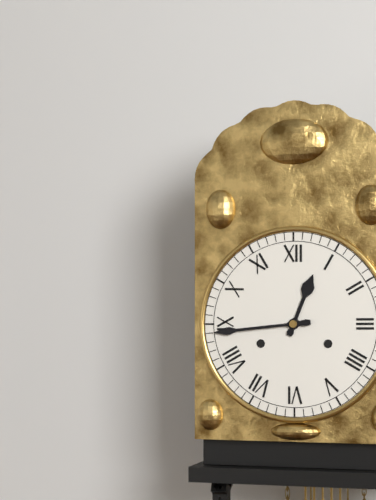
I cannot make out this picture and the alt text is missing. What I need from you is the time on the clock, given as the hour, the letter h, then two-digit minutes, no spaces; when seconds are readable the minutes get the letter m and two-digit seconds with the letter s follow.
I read 12h44
